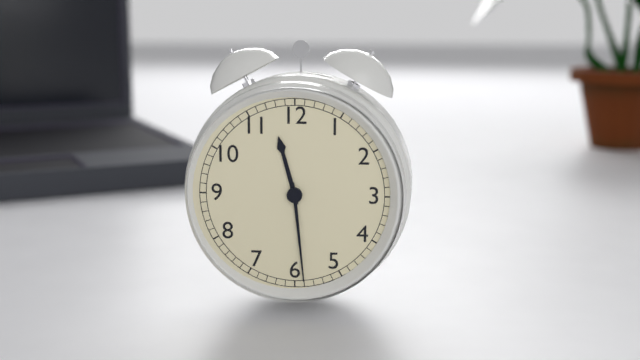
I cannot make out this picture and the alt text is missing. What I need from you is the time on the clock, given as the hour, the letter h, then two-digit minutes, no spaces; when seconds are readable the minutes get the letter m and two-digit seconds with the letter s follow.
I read 11h29
